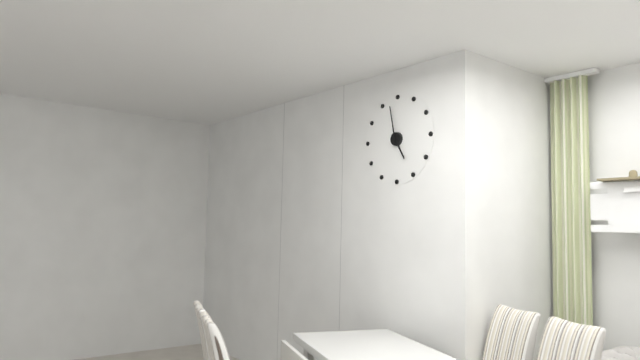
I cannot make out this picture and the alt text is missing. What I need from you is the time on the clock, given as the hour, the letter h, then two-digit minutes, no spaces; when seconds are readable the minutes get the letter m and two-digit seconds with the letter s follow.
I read 4h58
